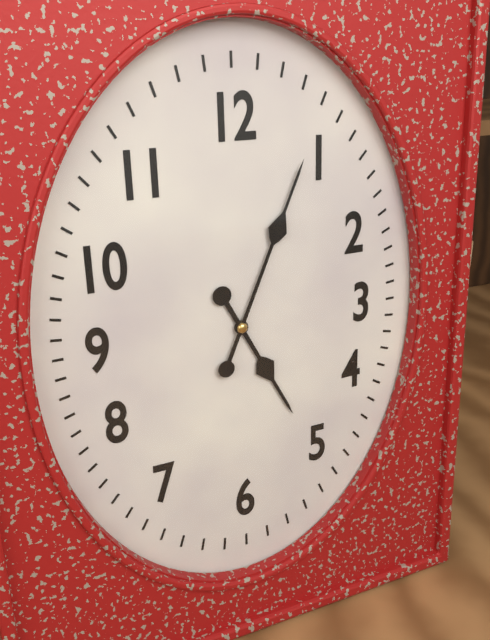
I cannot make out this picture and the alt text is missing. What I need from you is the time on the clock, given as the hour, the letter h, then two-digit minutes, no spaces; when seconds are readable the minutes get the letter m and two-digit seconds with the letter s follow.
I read 5h04
